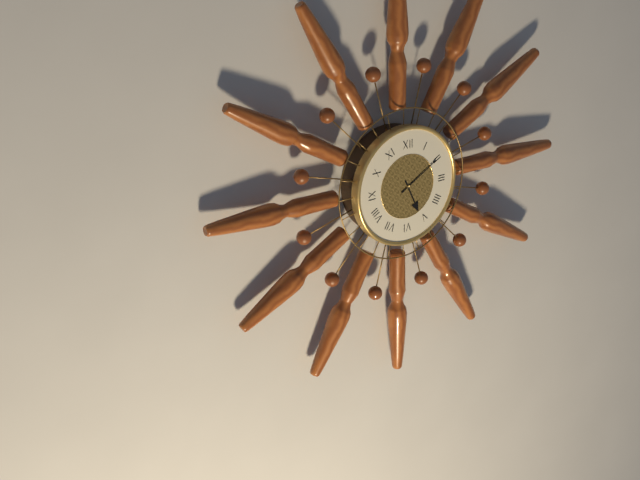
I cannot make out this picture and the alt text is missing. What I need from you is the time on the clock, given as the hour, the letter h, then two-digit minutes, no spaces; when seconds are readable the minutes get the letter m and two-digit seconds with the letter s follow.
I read 5h10
